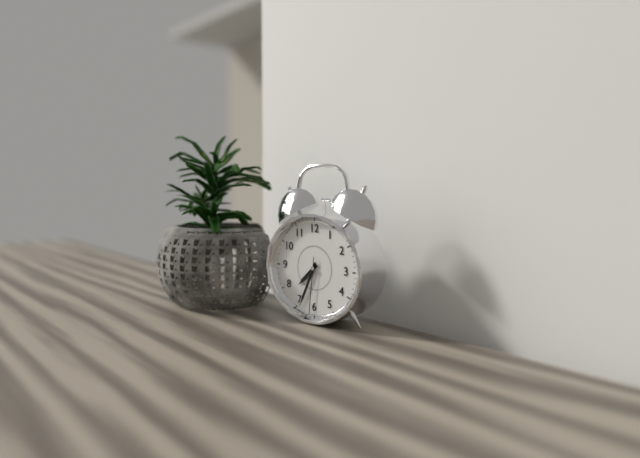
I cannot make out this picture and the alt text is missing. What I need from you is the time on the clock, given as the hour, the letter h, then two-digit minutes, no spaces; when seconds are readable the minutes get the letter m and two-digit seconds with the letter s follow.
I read 7h34m31s
